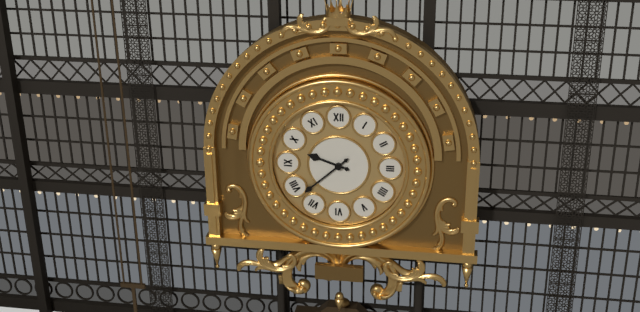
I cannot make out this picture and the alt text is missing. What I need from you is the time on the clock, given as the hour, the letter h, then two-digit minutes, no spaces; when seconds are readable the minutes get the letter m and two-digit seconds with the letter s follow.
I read 9h38
